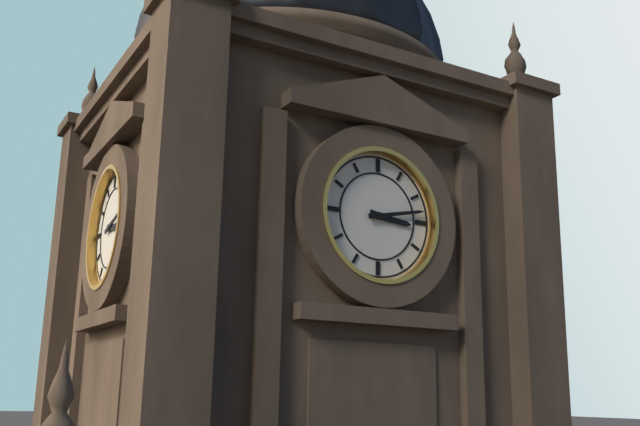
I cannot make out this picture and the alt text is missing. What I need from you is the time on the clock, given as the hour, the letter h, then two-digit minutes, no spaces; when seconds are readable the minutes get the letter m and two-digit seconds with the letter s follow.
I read 3h13
